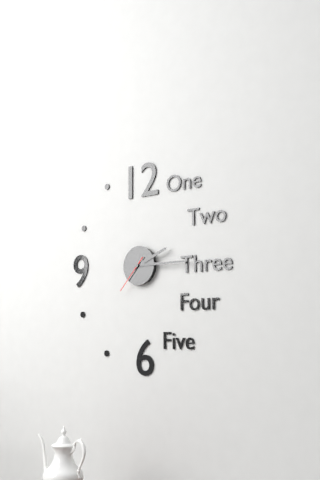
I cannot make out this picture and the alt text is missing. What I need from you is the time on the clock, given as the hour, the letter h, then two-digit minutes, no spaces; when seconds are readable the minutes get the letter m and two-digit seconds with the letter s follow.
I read 2h15
